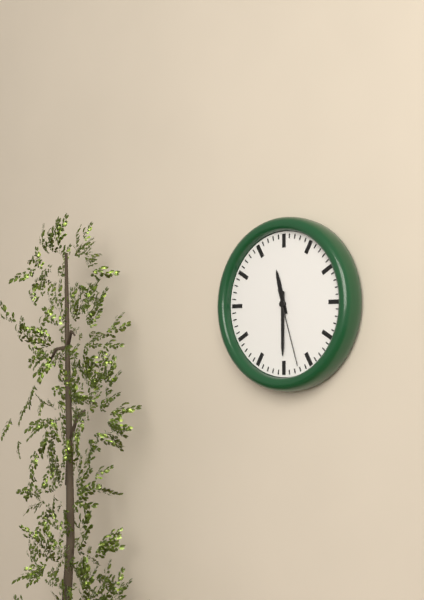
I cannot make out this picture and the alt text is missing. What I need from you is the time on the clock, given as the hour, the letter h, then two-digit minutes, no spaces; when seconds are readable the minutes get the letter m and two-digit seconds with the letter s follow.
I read 11h30m27s
